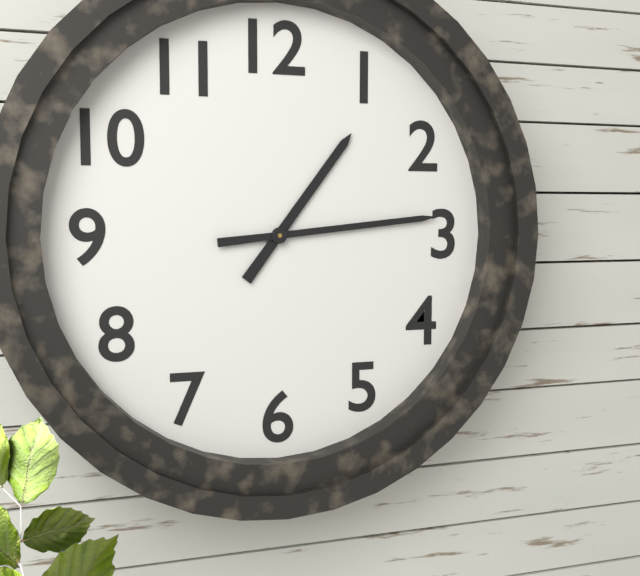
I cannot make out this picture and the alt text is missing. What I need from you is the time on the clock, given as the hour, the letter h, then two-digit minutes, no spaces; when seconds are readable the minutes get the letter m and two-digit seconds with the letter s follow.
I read 1h14
